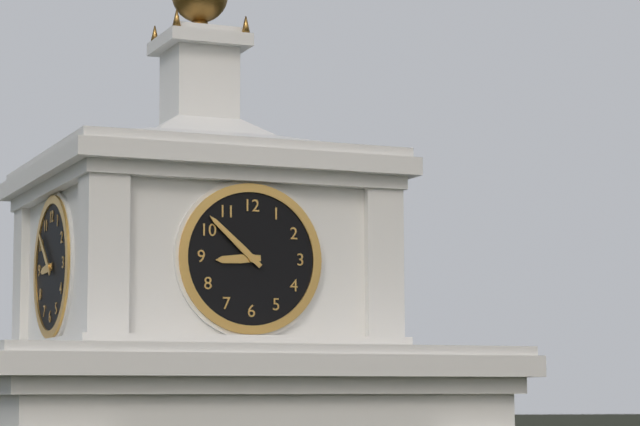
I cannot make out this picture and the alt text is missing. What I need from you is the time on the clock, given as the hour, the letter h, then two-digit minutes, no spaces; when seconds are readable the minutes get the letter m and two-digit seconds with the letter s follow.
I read 8h52
